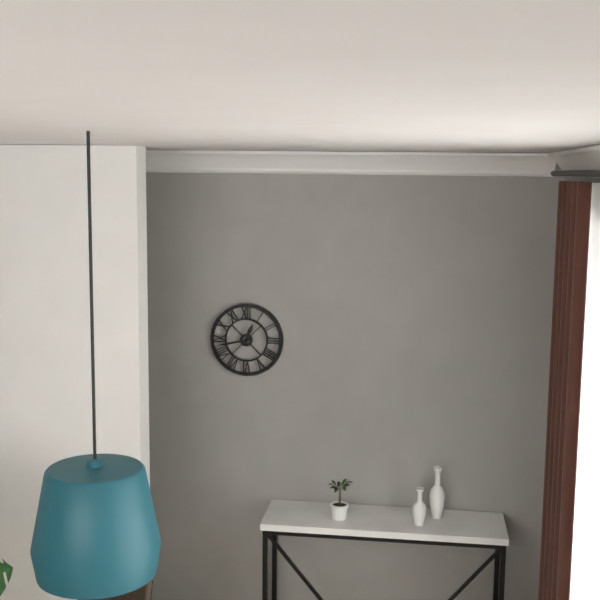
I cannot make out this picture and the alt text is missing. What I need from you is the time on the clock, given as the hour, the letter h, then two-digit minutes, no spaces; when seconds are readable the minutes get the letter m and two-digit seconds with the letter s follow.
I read 12h43
